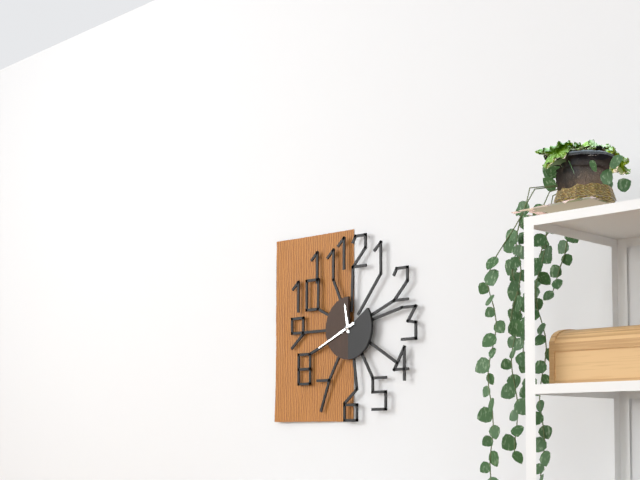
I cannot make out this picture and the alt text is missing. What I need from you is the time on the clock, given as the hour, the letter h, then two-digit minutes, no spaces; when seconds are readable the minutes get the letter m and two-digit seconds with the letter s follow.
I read 11h41
